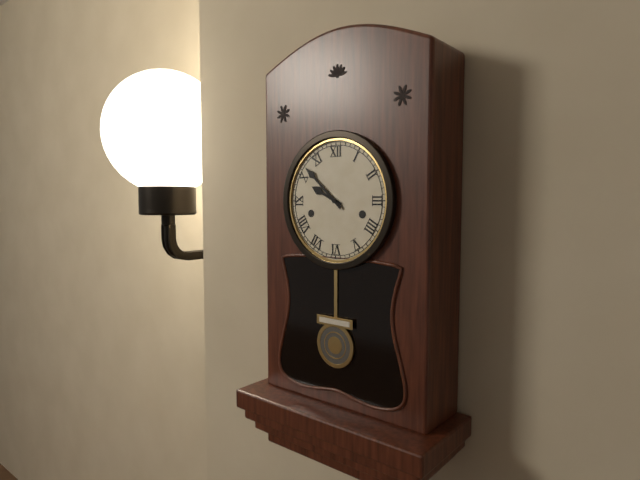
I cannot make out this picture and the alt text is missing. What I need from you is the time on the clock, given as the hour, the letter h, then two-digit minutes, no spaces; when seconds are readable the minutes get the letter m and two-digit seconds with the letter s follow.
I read 9h52
